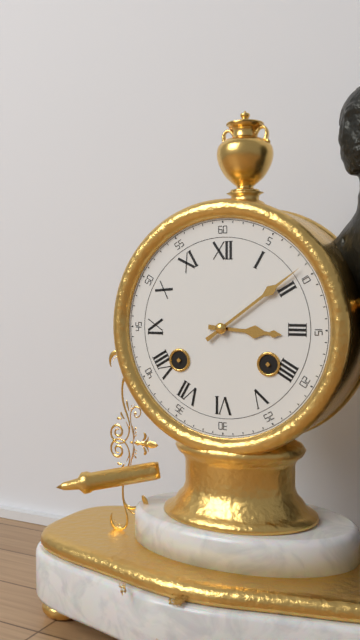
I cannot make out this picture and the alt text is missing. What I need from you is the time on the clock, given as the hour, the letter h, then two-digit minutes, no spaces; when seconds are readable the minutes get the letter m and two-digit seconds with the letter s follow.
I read 3h09
